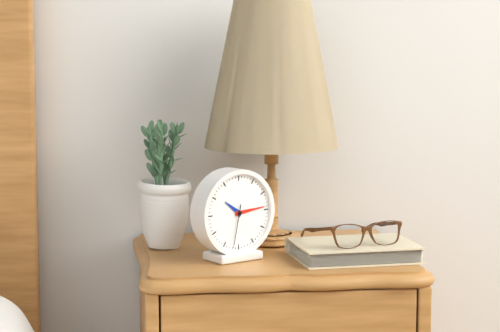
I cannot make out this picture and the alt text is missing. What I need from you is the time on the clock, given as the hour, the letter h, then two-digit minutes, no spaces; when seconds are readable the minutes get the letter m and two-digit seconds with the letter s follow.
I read 10h14
